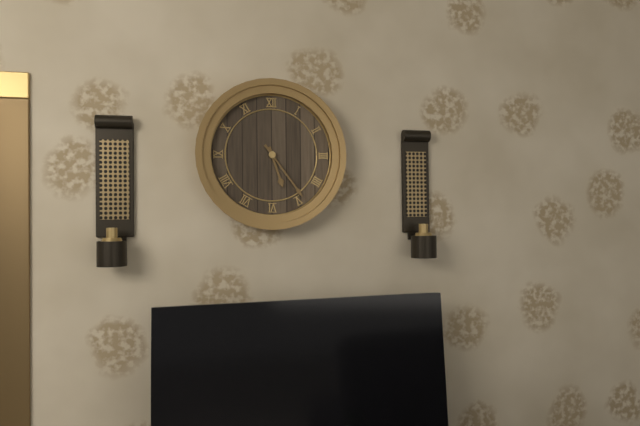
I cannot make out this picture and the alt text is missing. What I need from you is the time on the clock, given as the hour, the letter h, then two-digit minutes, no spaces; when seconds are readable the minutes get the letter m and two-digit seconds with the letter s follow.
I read 5h24
